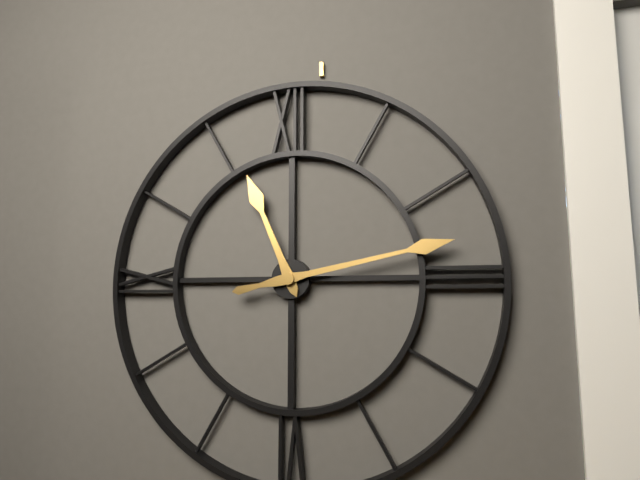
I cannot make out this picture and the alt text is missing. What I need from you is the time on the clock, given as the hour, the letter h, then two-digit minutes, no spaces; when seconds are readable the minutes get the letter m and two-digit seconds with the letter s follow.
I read 11h13
